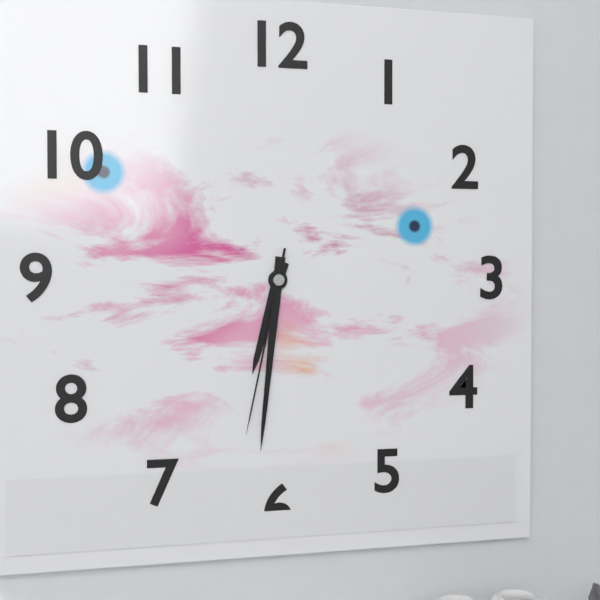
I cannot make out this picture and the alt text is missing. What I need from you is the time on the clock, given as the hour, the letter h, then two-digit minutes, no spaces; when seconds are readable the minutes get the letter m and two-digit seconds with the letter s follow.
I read 6h31m32s
